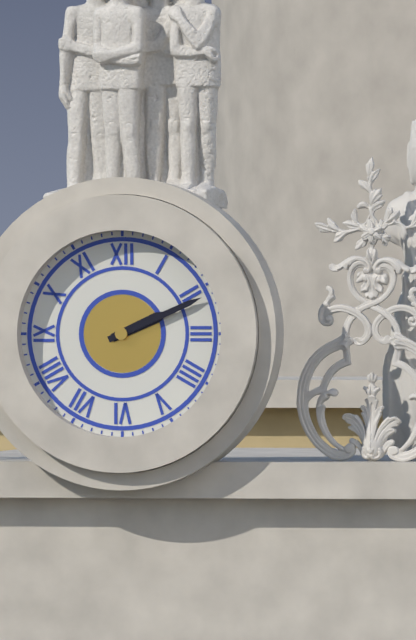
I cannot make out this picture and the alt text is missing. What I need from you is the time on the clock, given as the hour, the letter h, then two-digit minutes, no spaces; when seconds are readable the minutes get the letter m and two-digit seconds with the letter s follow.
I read 2h11
